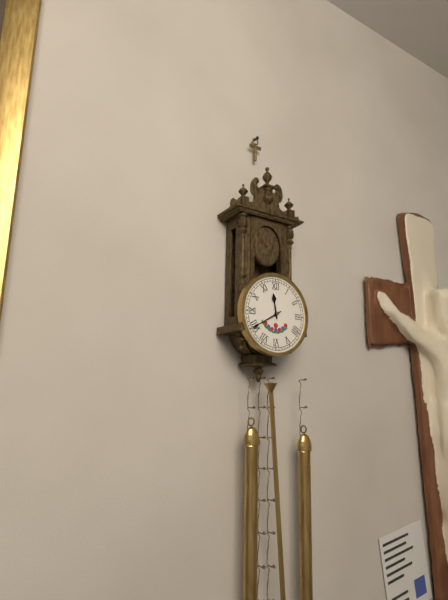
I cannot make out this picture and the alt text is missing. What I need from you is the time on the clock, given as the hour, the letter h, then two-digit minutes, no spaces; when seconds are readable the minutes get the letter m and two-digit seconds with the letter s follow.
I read 11h40
